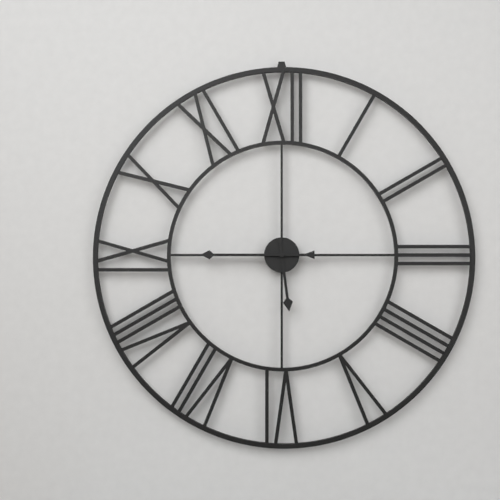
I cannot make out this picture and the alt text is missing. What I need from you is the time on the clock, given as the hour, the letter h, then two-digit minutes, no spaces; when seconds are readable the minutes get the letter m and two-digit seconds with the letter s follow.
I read 5h45
